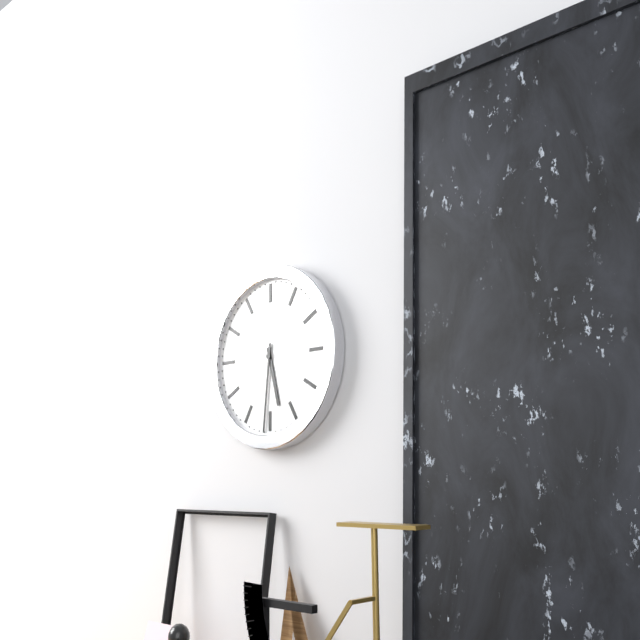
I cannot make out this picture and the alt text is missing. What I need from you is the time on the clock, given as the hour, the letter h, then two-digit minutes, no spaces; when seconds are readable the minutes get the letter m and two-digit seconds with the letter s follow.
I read 5h31
